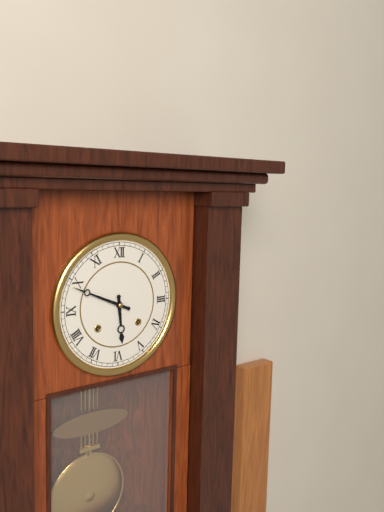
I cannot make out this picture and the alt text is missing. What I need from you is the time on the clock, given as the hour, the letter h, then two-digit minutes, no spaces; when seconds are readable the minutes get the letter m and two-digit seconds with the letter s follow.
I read 5h49
